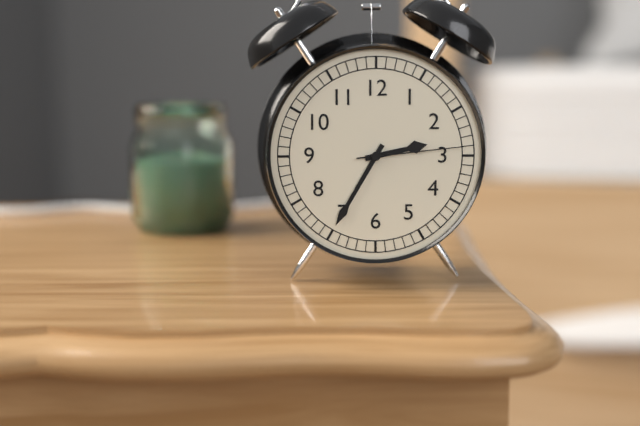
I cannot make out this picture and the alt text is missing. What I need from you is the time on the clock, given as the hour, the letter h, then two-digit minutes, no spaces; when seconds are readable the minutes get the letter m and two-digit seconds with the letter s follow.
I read 2h35m14s
